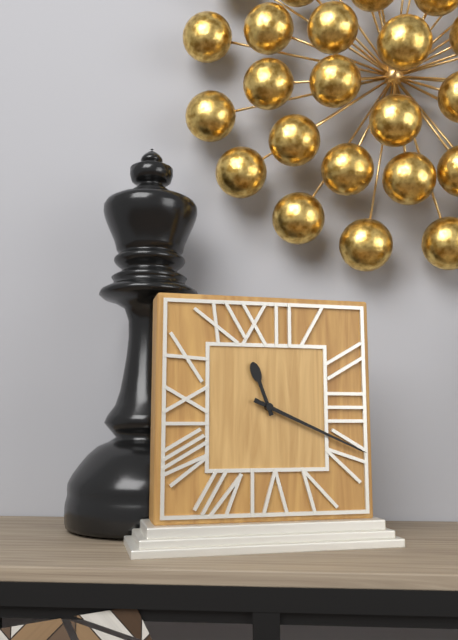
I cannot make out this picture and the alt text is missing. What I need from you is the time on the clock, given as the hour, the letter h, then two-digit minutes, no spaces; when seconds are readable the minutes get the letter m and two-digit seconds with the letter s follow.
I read 11h19
